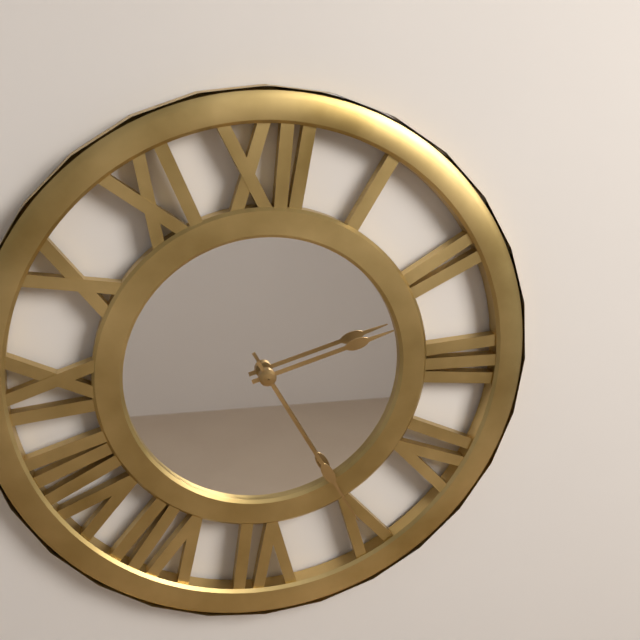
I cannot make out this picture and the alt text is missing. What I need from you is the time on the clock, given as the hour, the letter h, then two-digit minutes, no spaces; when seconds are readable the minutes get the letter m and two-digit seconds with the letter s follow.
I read 2h25
